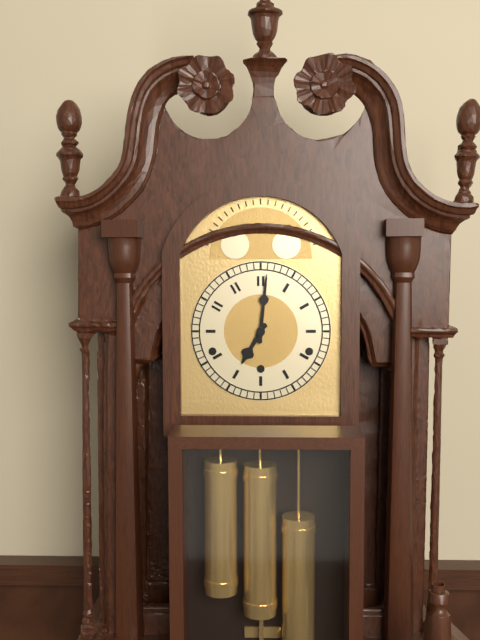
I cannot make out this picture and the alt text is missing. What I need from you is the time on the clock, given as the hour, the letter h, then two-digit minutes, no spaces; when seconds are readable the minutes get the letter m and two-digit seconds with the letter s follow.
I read 7h01
